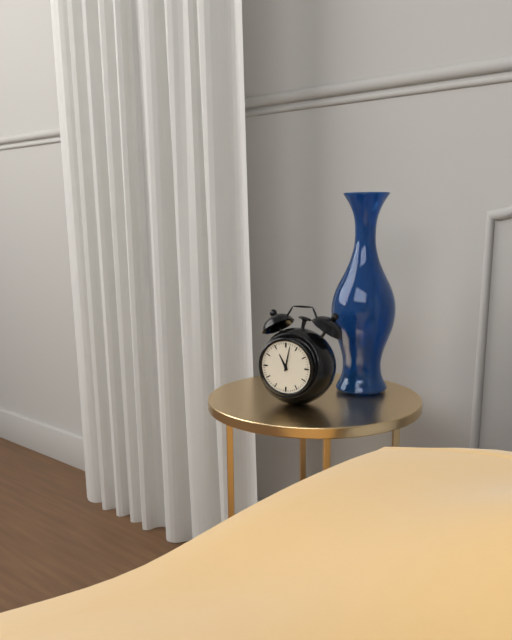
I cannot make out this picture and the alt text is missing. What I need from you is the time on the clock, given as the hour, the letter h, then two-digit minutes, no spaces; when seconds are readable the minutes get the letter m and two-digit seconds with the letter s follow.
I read 11h02
